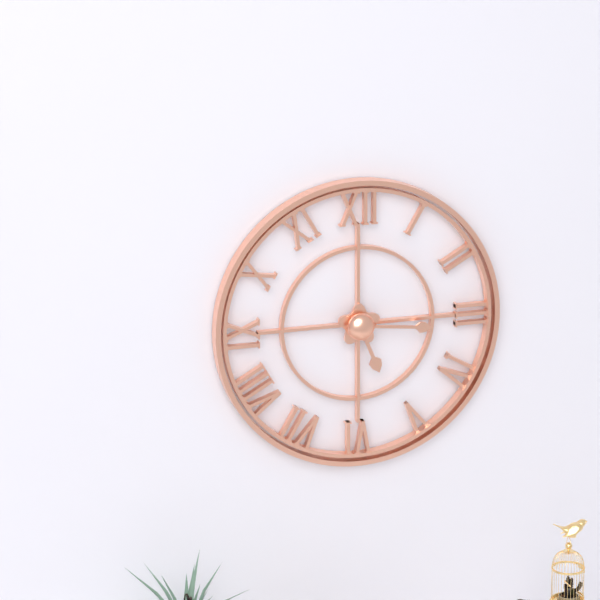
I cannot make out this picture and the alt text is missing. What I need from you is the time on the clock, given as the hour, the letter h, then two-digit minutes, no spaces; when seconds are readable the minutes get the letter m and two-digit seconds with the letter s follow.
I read 5h16
